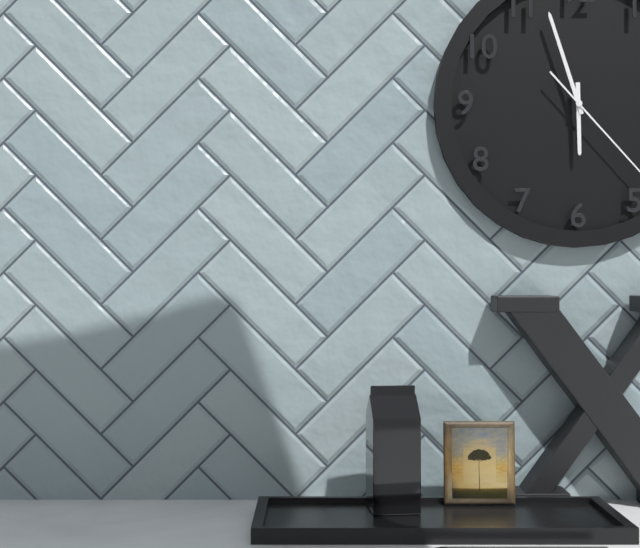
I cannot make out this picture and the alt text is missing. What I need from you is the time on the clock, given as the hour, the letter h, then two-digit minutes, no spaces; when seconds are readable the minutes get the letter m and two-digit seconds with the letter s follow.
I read 5h57
